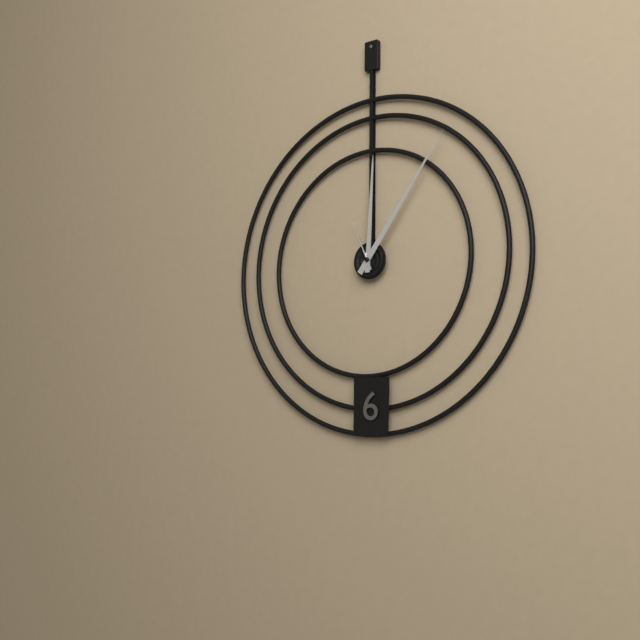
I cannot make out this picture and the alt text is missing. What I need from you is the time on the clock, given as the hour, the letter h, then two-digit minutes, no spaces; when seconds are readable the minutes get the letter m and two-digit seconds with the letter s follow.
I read 12h06m56s
